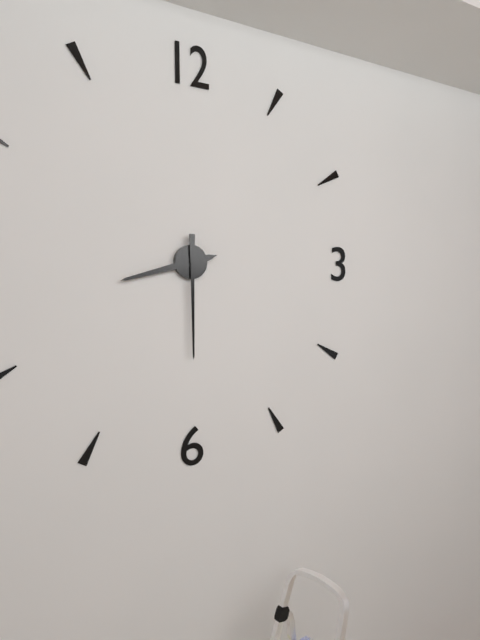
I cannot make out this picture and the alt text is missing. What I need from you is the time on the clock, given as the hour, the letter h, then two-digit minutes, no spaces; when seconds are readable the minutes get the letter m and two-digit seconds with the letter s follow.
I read 8h30
